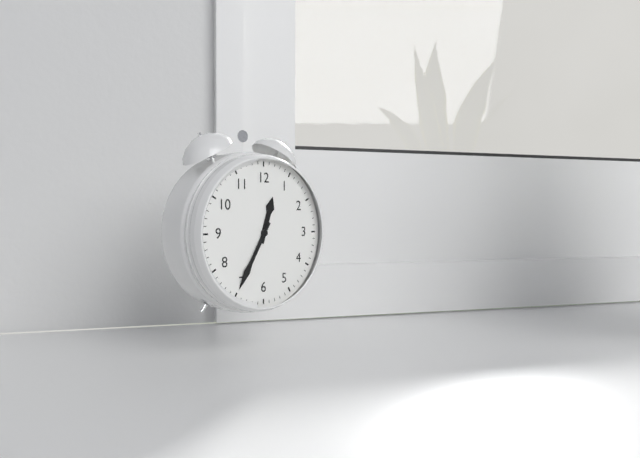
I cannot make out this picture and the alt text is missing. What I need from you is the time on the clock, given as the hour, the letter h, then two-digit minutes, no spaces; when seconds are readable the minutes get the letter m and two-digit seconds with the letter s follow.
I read 12h35
